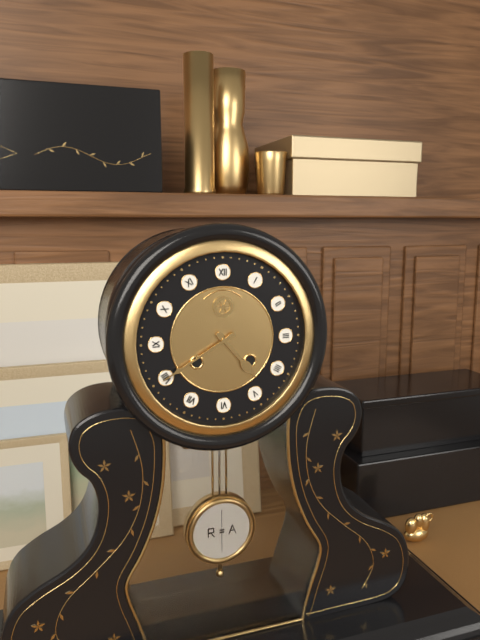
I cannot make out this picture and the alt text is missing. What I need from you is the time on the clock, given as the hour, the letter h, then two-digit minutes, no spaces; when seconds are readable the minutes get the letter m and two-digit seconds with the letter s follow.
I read 4h40
